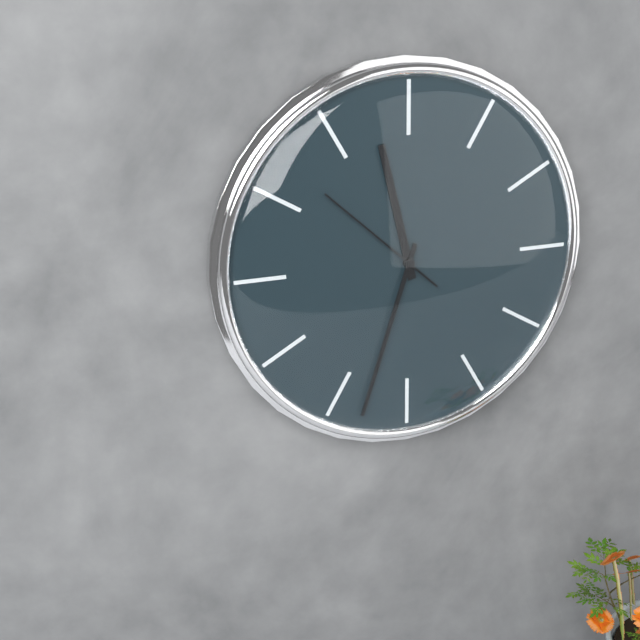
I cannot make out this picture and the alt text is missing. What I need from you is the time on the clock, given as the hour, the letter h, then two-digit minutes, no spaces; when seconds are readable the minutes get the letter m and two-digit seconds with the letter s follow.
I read 11h33m52s
